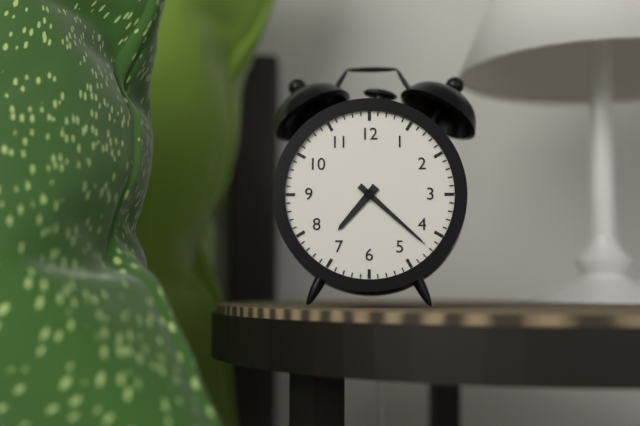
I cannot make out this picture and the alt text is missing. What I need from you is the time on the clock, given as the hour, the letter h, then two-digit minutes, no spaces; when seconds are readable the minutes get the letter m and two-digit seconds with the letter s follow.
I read 7h22
